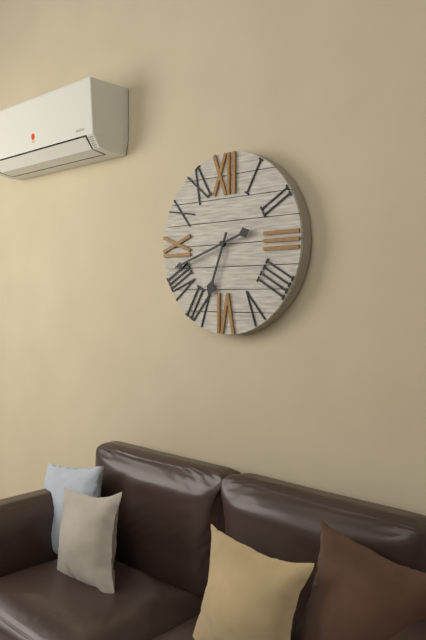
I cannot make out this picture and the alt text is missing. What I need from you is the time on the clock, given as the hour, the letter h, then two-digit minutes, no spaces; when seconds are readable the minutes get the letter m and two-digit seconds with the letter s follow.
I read 6h42
